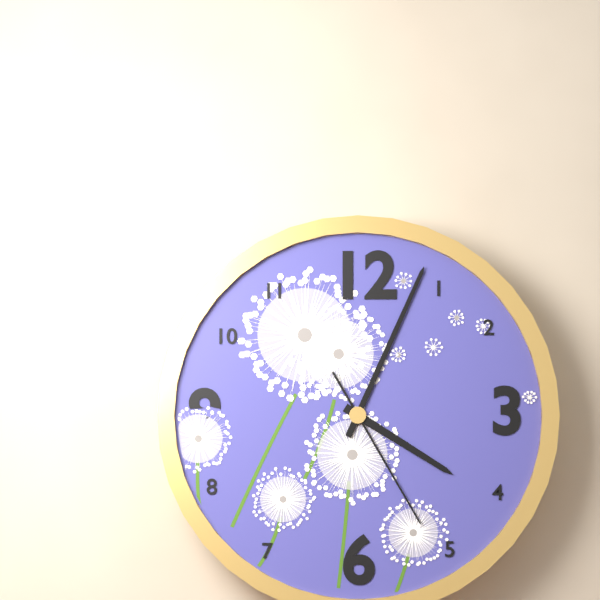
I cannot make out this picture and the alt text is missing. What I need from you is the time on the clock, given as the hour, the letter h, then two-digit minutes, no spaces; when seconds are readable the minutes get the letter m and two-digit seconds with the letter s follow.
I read 4h04m25s
